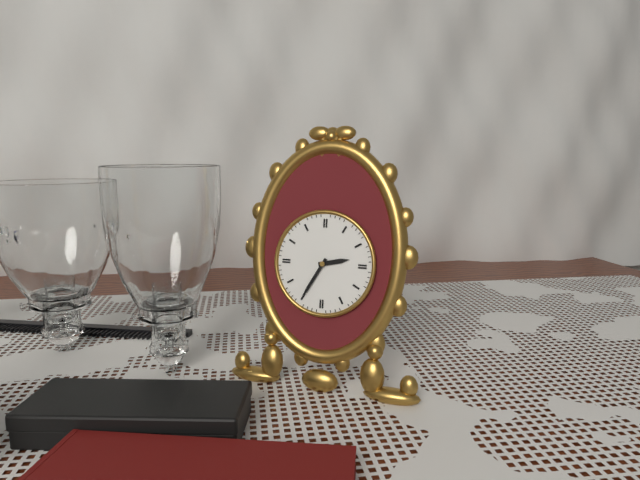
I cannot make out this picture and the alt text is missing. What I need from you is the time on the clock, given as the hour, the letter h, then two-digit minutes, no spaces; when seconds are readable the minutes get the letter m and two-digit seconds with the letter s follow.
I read 2h35
